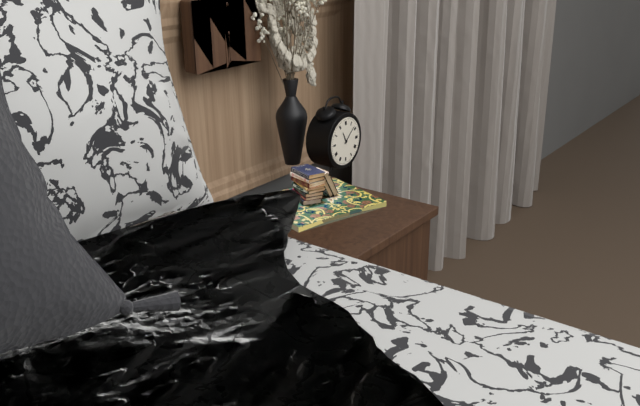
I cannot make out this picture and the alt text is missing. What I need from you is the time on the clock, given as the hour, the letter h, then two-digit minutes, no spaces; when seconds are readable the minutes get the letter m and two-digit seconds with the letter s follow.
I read 11h08
